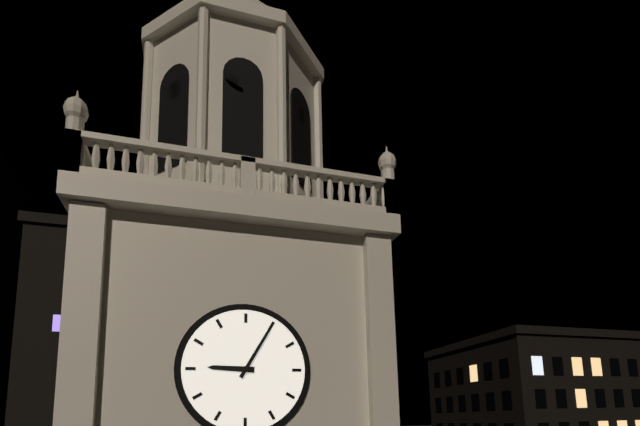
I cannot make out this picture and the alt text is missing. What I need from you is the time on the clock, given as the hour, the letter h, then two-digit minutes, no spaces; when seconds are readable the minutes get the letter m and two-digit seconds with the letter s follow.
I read 9h05
